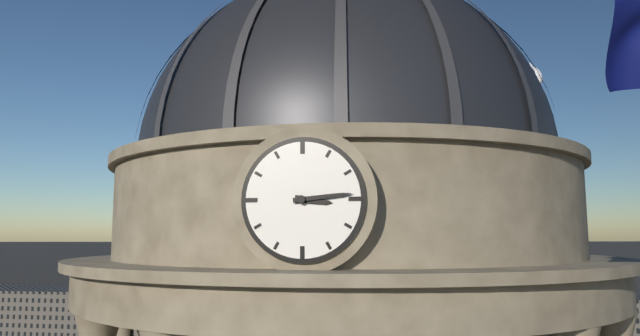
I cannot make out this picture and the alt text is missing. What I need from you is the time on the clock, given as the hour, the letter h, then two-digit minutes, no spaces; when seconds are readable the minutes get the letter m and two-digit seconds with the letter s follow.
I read 3h14
